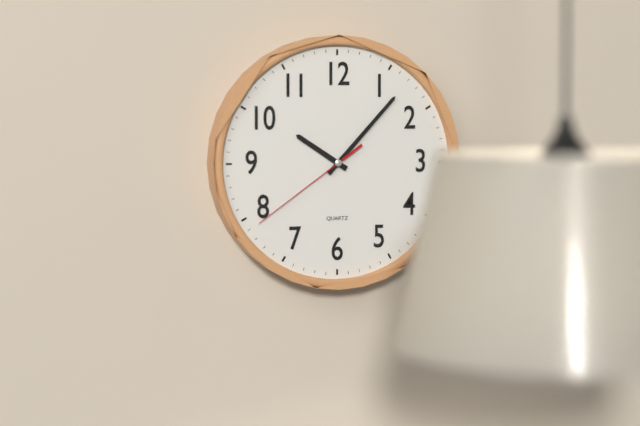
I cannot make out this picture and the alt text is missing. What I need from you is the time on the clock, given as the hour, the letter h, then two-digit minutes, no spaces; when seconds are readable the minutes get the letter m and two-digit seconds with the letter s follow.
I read 10h07m39s
